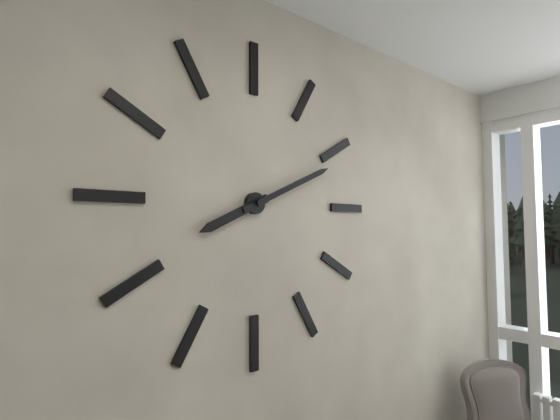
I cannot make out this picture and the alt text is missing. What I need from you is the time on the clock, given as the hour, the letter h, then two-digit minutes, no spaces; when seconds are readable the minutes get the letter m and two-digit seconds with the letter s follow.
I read 8h11
